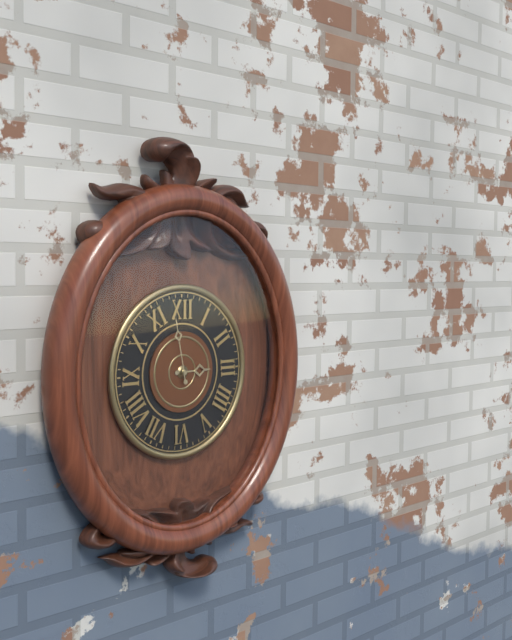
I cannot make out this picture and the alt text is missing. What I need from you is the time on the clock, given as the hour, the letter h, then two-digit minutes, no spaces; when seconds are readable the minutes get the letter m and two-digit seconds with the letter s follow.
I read 2h58
